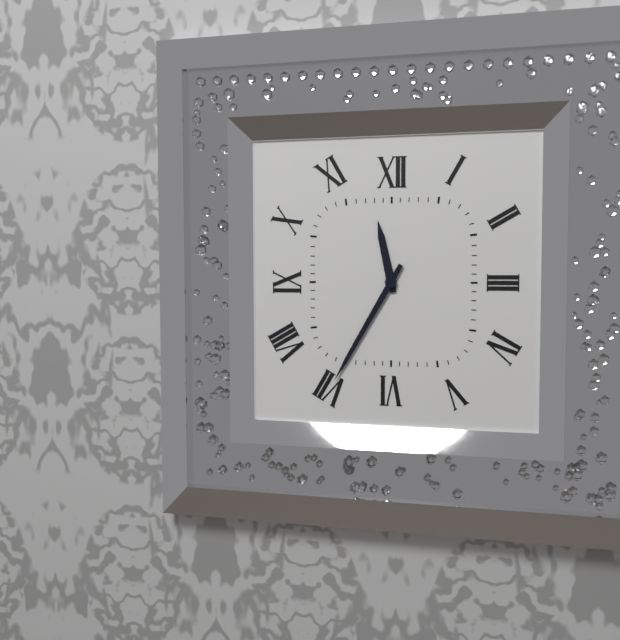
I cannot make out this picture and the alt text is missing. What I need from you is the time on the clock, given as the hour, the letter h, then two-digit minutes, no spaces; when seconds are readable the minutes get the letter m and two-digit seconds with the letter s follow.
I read 11h35
